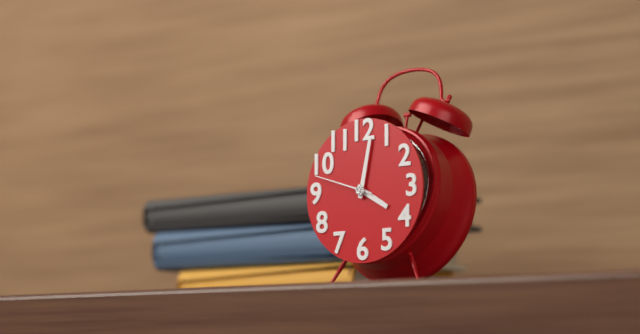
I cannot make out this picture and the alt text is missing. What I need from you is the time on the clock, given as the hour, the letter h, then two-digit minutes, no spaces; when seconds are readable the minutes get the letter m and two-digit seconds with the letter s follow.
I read 4h02m48s
